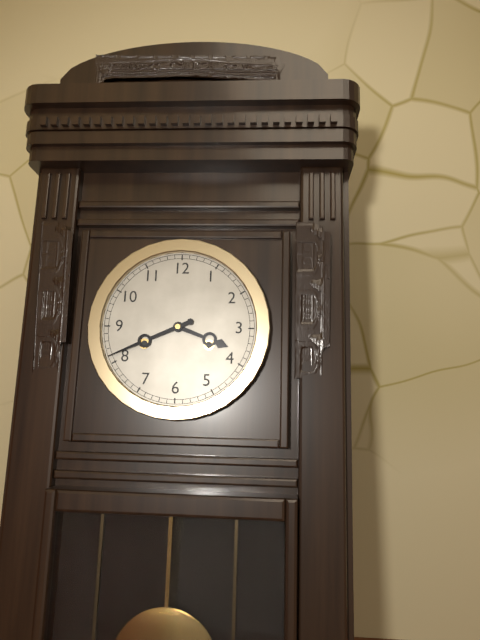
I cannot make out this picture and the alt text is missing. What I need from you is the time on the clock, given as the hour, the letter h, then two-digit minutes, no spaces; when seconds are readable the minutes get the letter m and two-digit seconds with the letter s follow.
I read 3h41
